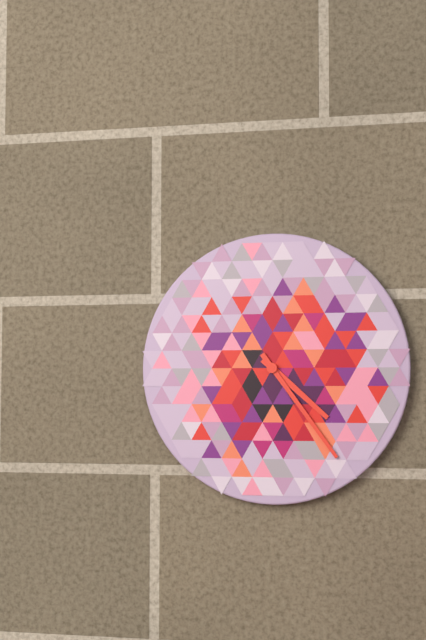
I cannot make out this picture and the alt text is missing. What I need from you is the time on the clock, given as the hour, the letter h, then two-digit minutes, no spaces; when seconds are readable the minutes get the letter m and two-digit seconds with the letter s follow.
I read 4h24
